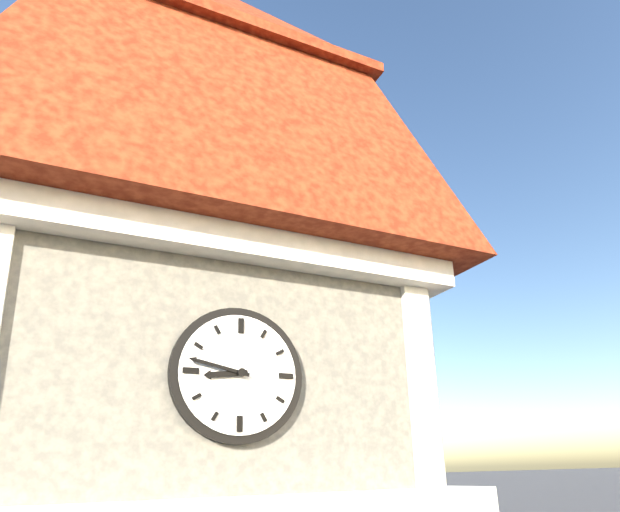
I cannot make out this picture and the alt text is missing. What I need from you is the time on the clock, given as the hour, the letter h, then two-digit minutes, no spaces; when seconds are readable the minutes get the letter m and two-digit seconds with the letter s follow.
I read 8h47
